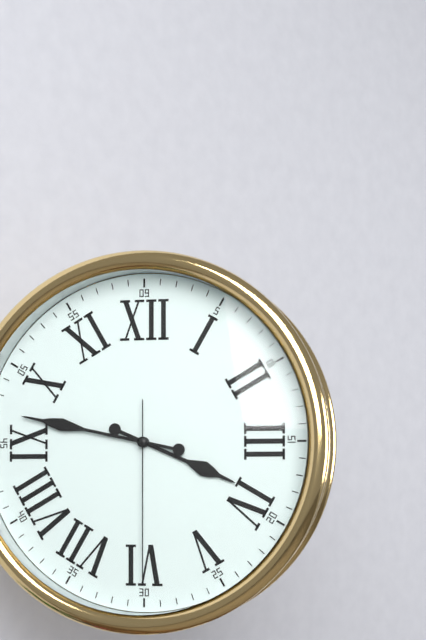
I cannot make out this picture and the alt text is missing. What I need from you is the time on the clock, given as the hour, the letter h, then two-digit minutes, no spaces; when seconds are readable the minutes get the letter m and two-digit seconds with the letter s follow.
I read 3h47m30s
